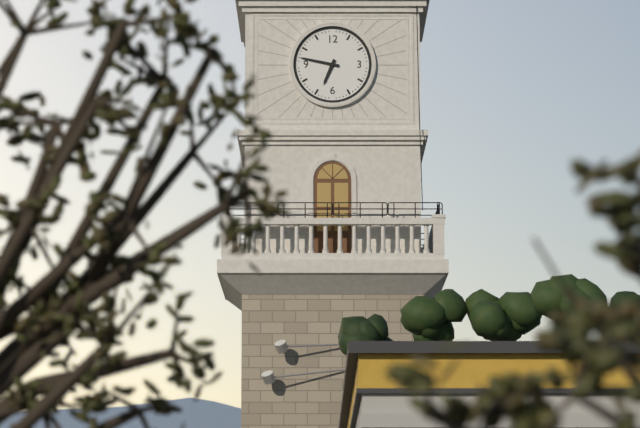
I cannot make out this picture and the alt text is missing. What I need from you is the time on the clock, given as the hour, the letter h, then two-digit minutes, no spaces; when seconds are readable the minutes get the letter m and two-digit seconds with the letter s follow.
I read 6h47
